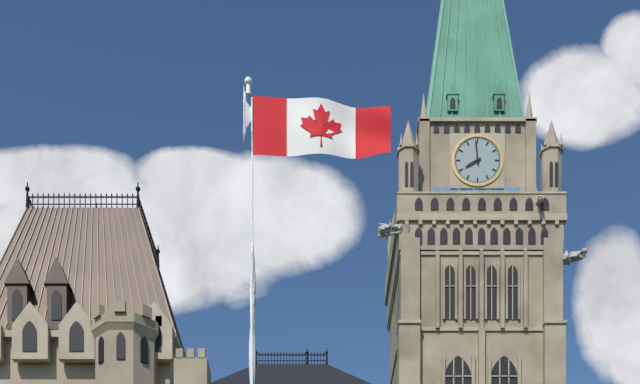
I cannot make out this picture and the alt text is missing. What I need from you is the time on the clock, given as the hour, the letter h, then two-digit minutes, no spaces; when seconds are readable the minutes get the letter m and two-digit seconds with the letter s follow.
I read 7h59
